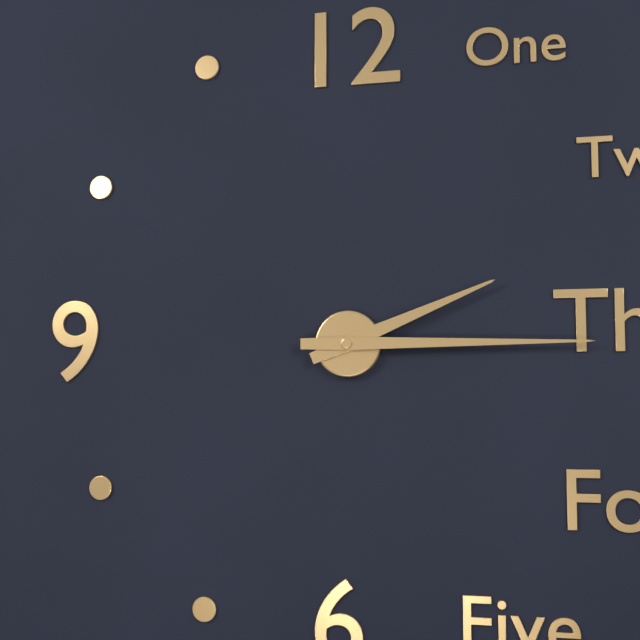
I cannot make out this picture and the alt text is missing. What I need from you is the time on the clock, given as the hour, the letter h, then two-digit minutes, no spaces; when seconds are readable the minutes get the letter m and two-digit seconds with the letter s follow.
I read 2h15
